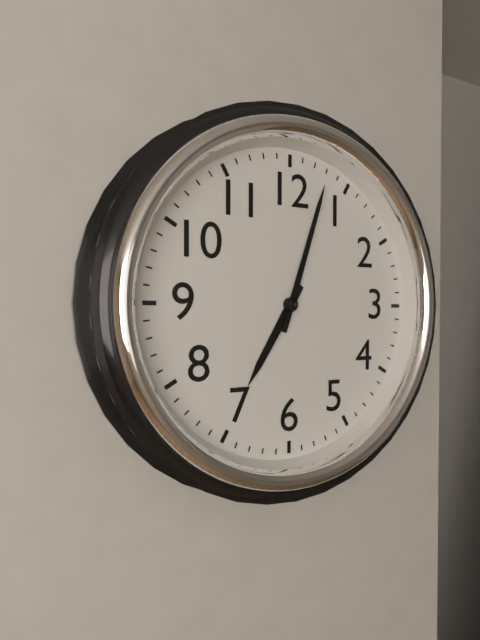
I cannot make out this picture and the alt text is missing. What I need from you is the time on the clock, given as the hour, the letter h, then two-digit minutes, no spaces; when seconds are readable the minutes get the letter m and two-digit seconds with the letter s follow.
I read 7h03
